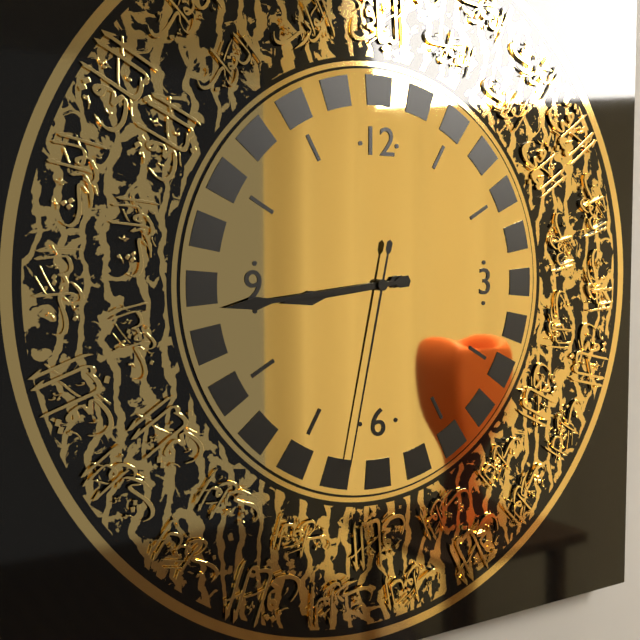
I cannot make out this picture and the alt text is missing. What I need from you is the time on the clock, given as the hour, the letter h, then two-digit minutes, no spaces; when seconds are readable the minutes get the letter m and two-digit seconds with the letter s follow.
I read 8h44m32s
